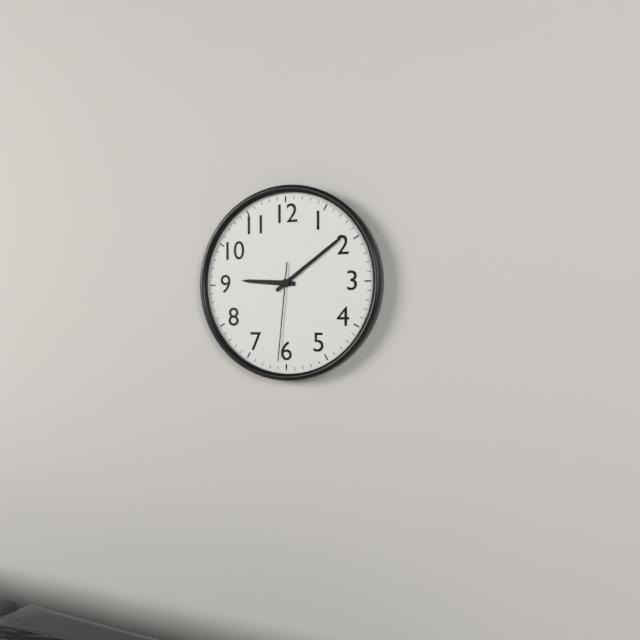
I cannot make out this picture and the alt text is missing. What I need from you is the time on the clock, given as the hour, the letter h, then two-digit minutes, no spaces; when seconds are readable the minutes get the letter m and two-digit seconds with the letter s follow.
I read 9h09m31s
